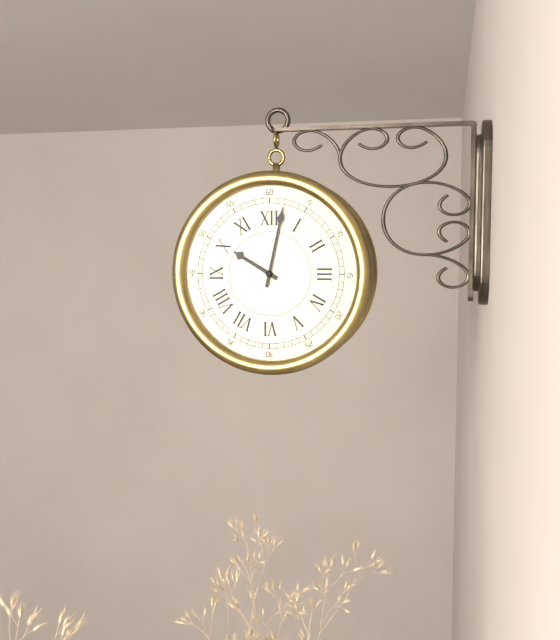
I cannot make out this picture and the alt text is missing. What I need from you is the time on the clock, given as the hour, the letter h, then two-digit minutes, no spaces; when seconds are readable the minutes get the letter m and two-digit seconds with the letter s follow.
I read 10h02
